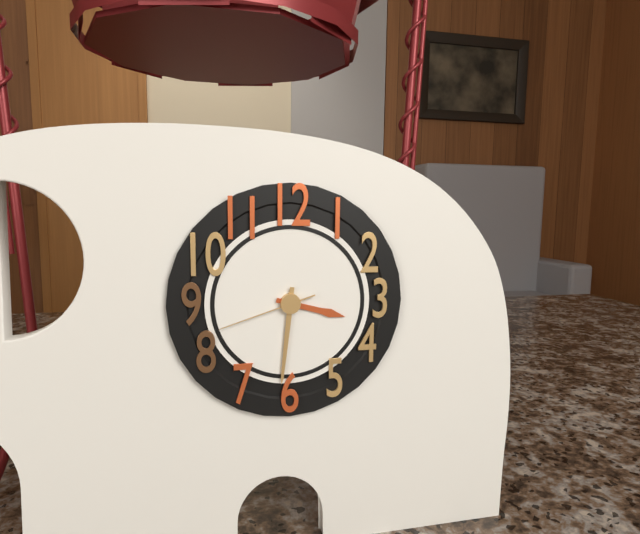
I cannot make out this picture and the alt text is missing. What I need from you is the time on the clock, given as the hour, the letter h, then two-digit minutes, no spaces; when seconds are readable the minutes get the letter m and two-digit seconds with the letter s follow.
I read 3h31m42s
